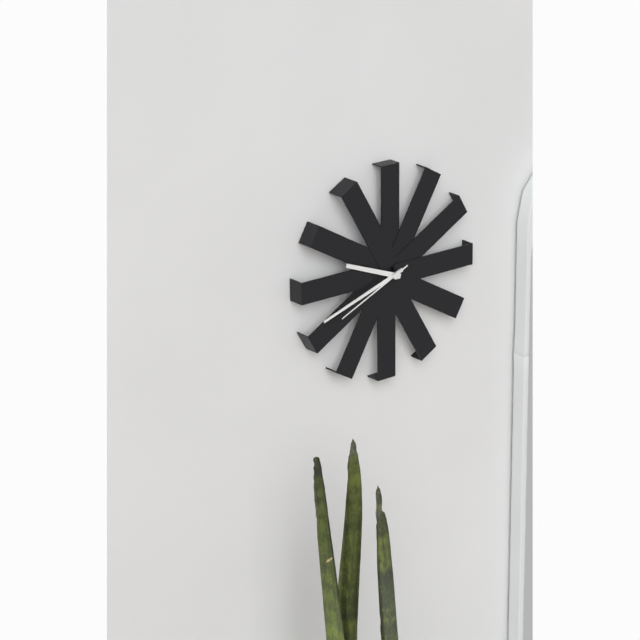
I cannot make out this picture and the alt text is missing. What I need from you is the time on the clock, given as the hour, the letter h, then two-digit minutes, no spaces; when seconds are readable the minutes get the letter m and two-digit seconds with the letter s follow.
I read 9h42m41s
